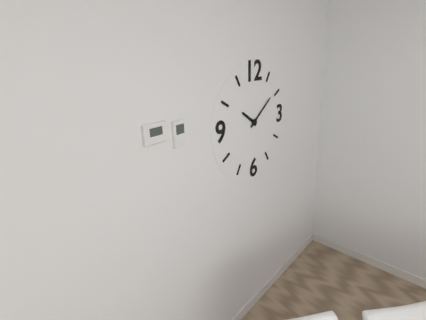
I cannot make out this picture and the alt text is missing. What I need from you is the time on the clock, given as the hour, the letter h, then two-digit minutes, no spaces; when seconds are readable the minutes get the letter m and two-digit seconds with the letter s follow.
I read 10h09
